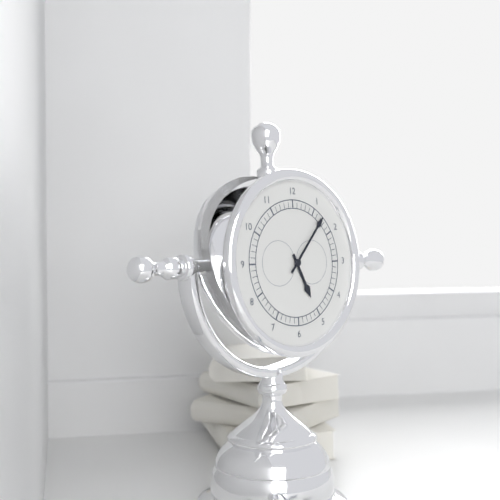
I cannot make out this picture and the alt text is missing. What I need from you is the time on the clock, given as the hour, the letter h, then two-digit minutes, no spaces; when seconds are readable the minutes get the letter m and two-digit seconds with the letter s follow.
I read 5h07
